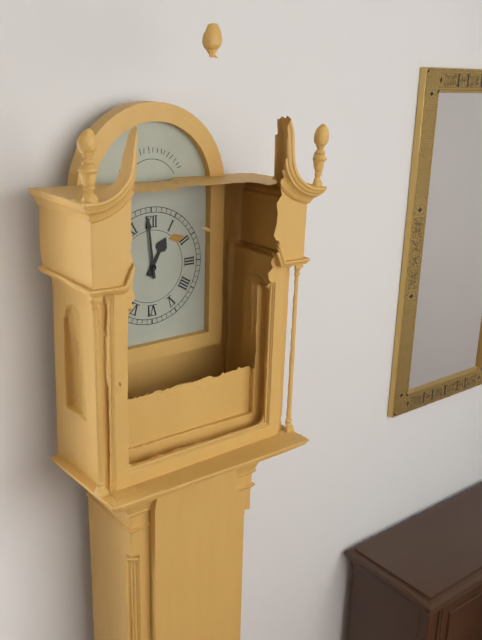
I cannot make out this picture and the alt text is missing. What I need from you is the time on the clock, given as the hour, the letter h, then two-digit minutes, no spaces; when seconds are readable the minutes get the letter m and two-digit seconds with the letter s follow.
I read 12h59
